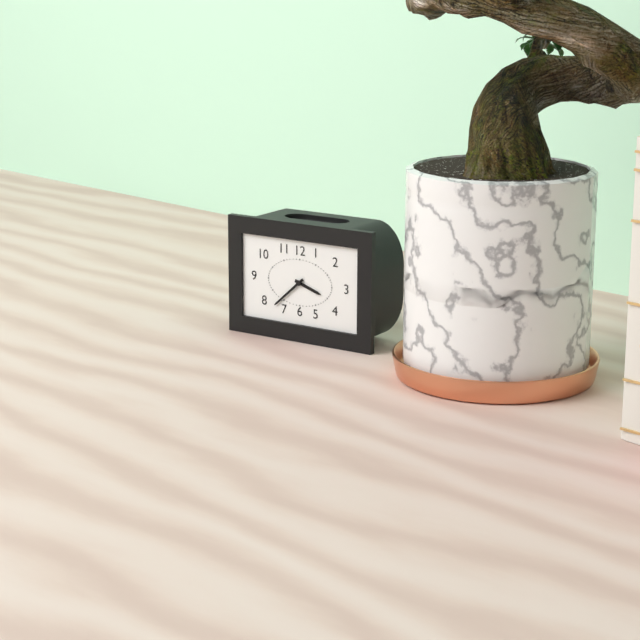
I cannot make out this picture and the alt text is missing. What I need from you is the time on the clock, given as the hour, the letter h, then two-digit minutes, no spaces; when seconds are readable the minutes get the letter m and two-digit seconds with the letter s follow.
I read 3h38
